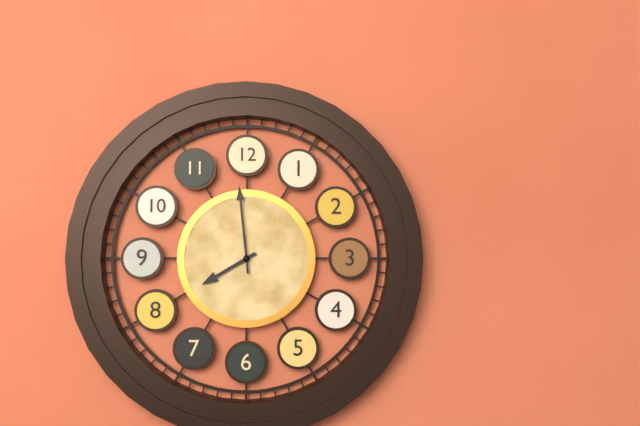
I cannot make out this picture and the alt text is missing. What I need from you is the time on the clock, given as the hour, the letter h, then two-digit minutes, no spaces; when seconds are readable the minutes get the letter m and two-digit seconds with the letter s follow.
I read 7h59
